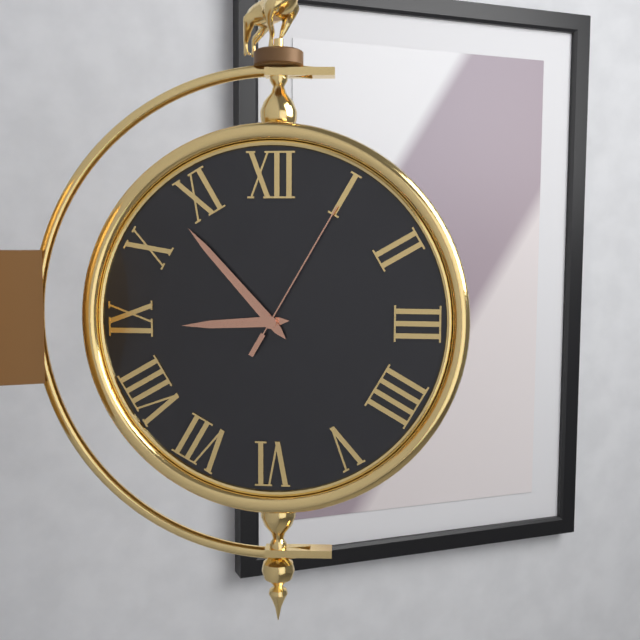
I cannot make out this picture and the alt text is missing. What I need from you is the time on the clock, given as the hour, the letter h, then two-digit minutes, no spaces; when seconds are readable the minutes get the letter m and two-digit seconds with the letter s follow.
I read 8h53m05s
